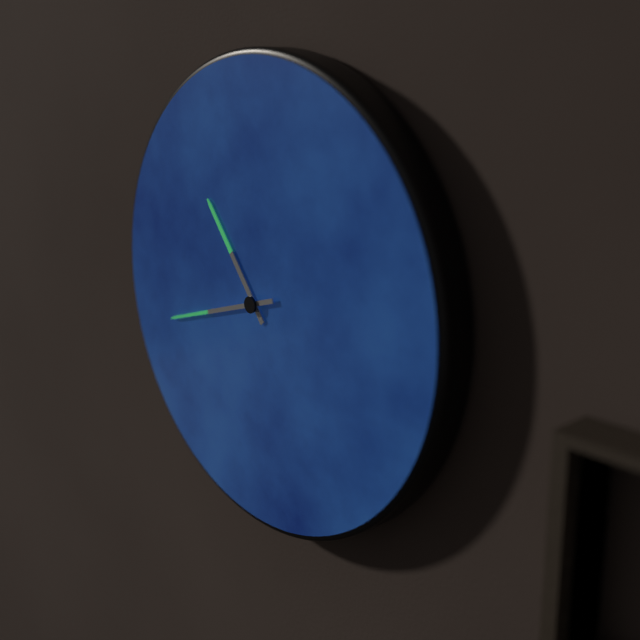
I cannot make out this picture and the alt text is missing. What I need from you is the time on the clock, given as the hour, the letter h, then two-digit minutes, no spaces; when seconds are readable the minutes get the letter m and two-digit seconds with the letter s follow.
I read 10h42
